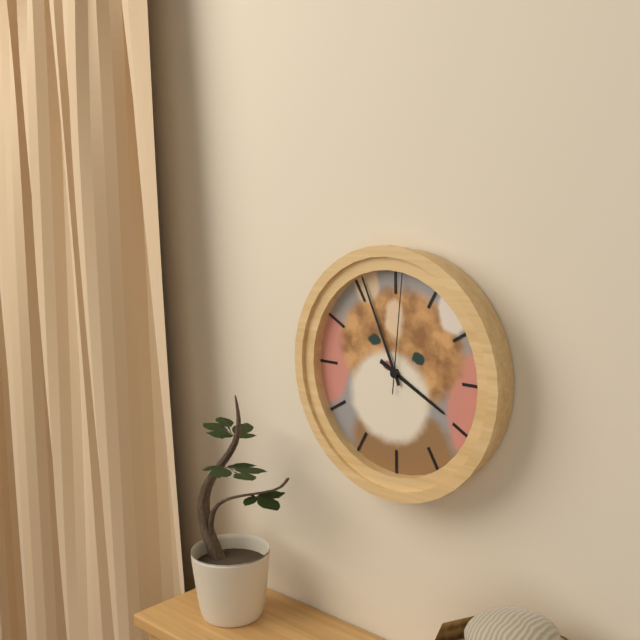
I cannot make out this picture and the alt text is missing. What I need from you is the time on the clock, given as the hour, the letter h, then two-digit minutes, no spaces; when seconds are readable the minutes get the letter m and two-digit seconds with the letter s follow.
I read 3h56m01s
